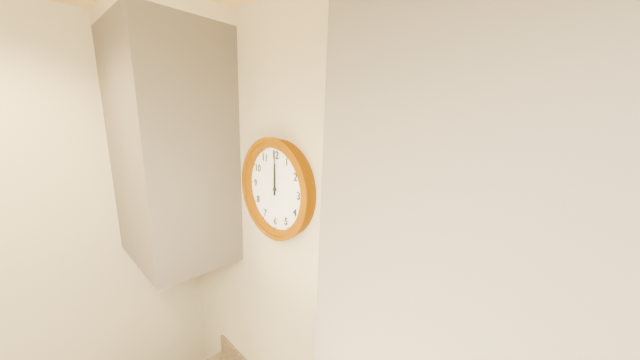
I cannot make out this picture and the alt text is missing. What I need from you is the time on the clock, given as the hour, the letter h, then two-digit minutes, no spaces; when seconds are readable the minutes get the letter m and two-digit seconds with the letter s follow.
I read 12h00
